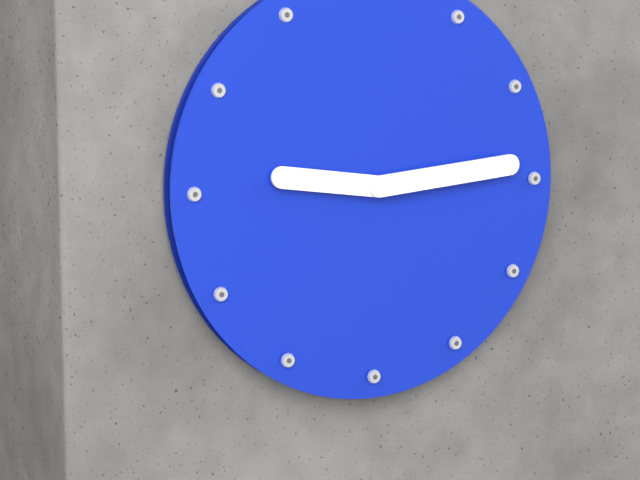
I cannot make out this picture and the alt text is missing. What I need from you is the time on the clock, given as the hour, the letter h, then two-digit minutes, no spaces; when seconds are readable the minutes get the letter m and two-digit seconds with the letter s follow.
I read 9h14
